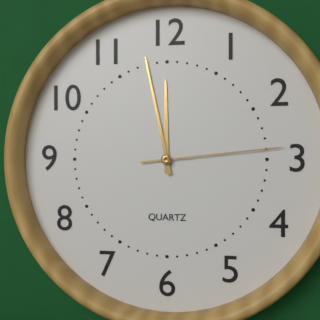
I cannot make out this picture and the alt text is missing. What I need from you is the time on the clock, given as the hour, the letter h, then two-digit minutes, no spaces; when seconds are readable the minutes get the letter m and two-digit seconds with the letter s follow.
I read 11h58m14s
